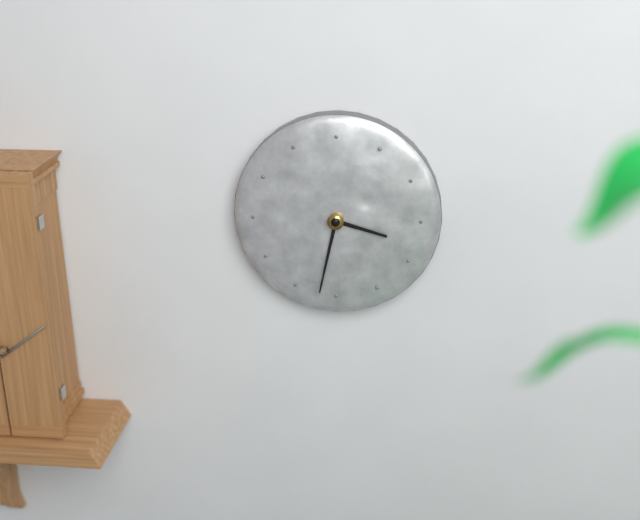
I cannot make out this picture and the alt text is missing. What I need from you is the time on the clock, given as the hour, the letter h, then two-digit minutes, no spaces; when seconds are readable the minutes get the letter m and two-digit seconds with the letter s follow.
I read 3h32
